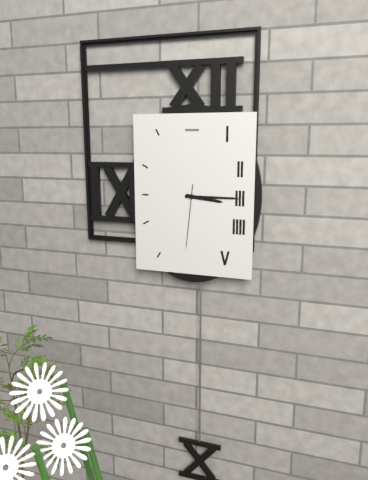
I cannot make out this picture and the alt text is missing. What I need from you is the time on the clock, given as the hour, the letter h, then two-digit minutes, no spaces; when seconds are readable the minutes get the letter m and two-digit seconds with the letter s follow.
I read 3h15m31s
